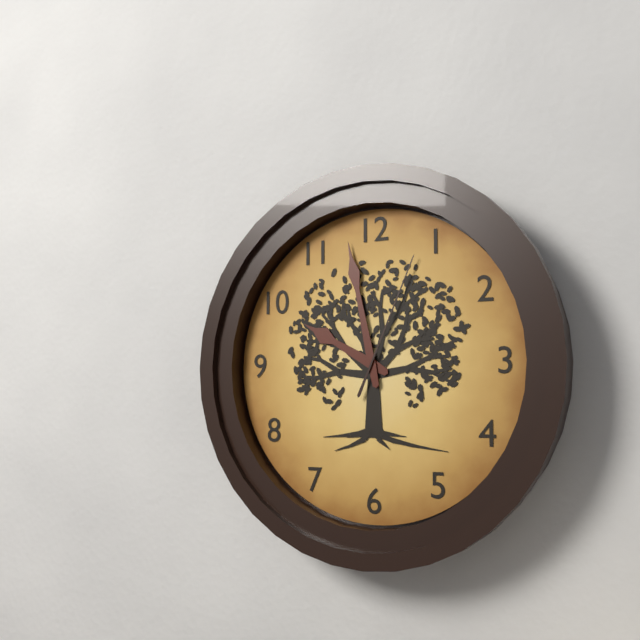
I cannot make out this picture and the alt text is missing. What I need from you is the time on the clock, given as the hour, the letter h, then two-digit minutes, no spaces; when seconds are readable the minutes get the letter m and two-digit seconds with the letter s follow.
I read 9h58m04s
